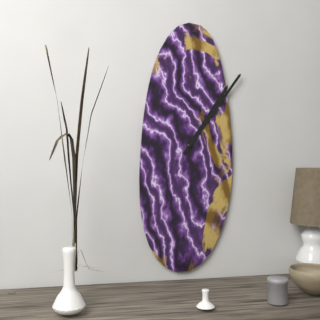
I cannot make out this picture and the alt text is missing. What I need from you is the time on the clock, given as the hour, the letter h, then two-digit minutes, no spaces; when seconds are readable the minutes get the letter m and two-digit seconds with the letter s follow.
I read 1h06
